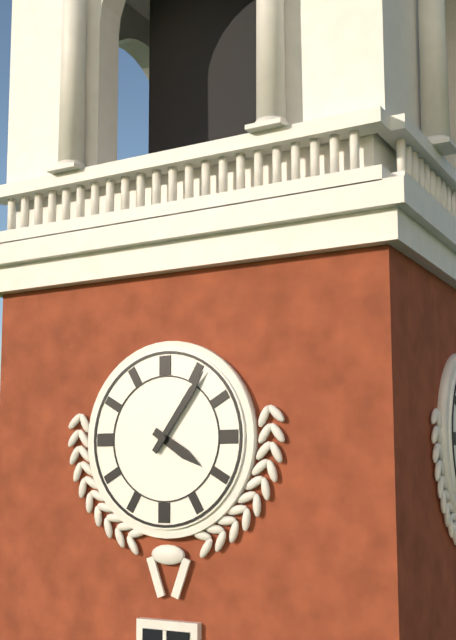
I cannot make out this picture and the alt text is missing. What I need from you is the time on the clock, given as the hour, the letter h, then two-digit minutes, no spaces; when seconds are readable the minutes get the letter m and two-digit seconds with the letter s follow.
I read 4h06
